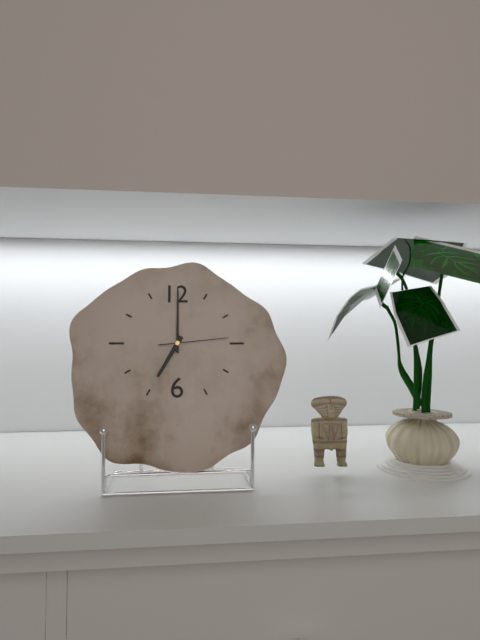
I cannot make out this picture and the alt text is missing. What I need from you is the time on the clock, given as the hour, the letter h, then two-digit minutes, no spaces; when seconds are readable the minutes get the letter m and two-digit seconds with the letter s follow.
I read 7h00m14s
